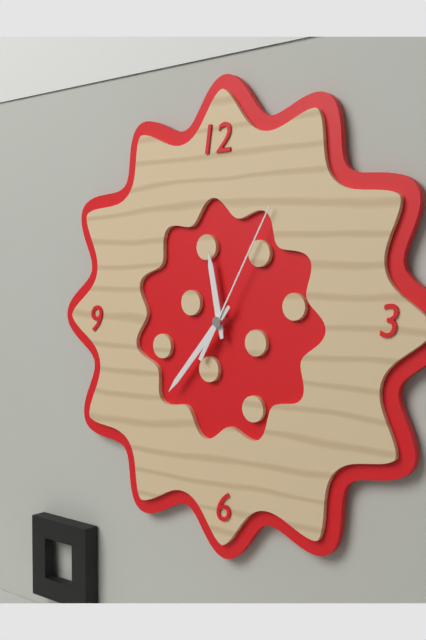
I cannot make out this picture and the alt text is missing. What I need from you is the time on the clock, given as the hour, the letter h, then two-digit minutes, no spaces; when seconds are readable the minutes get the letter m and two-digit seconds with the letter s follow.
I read 11h37m05s
